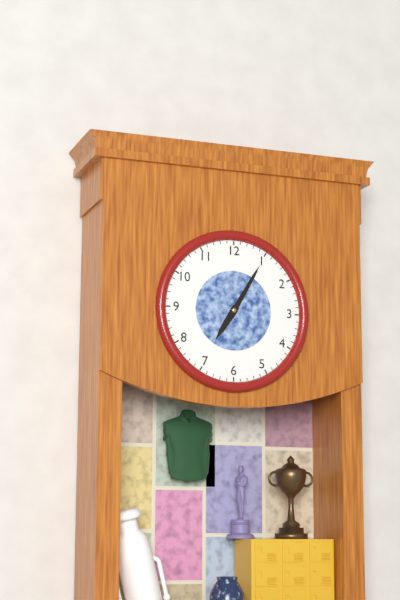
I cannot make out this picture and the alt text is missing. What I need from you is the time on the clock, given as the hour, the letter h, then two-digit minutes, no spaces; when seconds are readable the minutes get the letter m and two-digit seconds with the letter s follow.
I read 7h05
